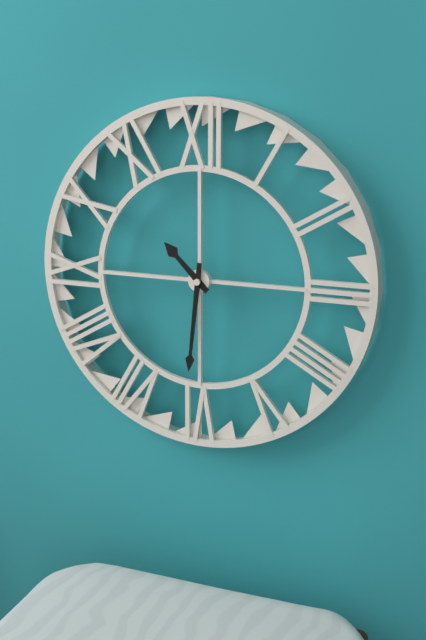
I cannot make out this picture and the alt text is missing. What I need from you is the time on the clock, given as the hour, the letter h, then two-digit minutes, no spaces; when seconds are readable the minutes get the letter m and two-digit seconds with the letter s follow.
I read 10h31
